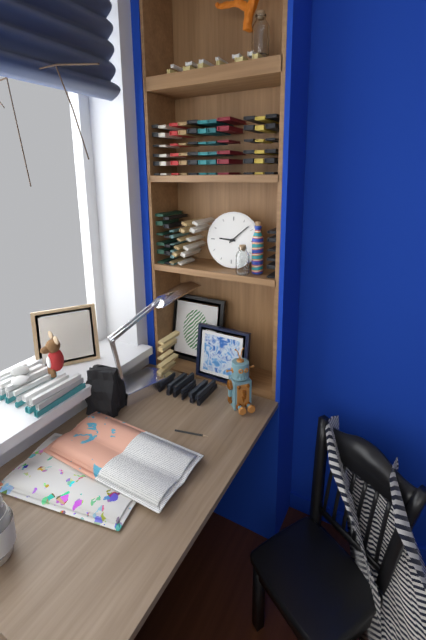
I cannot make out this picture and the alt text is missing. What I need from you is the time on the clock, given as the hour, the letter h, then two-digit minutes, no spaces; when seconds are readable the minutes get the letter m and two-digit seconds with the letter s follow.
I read 9h08
